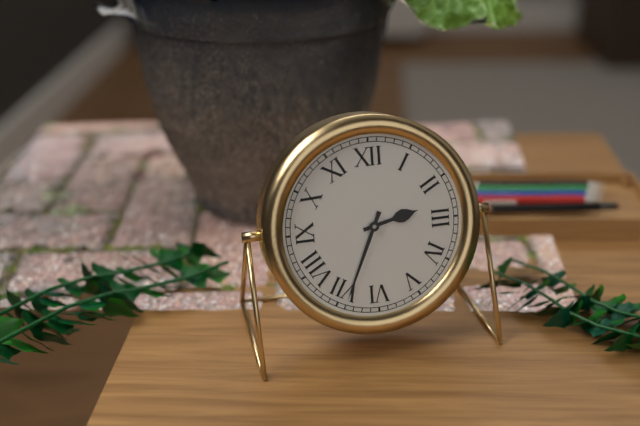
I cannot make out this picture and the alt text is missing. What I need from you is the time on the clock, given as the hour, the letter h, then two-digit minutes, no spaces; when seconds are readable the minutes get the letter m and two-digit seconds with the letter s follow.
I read 2h34
